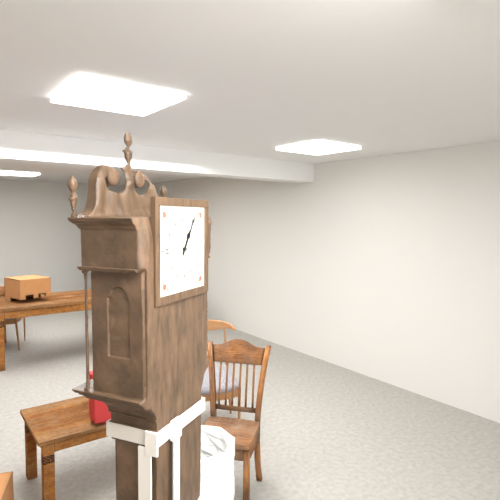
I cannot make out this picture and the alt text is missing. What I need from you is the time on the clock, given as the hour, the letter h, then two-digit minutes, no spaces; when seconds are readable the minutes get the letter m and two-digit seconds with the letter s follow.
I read 1h05
